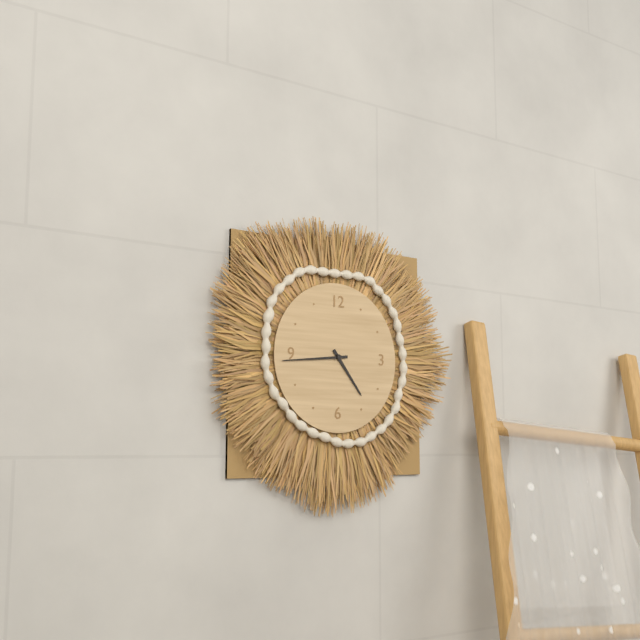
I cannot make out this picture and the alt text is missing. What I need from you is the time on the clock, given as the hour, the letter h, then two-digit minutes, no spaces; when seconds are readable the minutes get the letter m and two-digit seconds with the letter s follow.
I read 4h44
